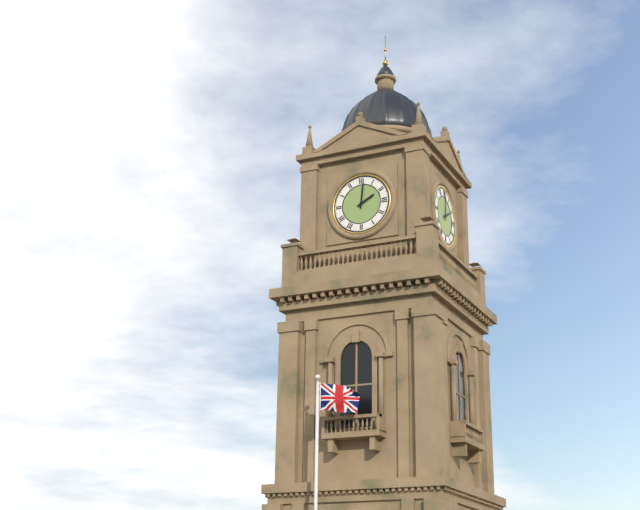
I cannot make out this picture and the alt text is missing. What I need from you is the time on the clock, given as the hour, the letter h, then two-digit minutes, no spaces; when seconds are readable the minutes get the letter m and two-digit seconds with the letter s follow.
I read 2h01
